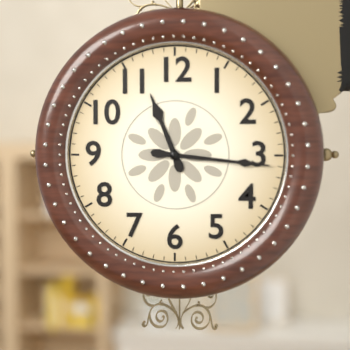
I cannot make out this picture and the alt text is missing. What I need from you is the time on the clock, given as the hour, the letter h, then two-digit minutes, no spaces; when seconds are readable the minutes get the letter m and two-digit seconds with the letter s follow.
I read 11h16
